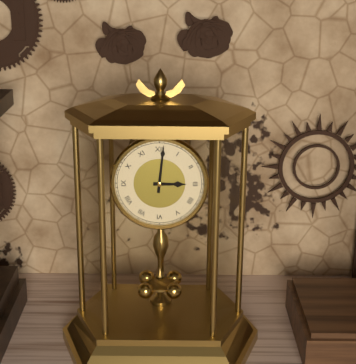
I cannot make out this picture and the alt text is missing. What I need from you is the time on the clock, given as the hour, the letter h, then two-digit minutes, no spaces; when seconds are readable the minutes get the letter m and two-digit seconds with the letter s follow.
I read 3h01
